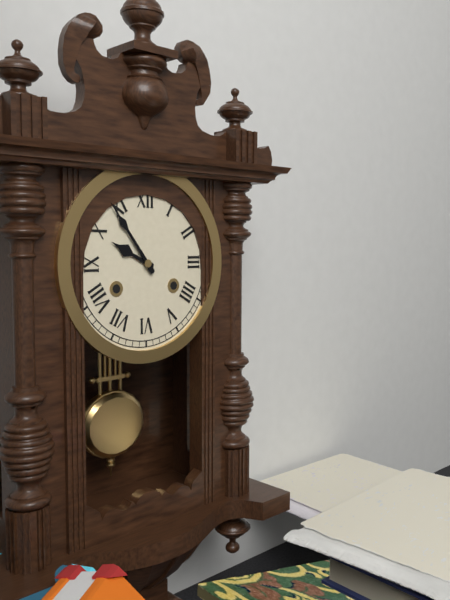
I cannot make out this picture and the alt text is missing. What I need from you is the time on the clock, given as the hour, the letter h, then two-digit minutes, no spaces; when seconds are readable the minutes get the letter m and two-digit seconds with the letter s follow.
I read 9h54
